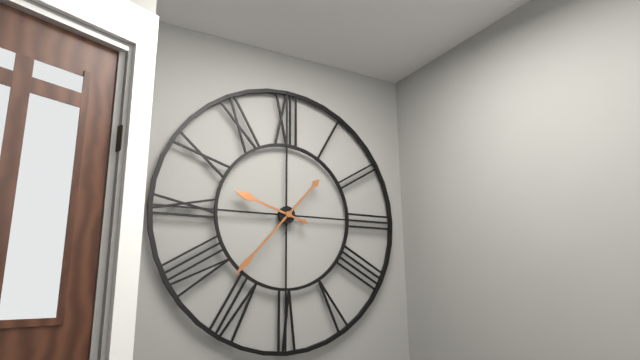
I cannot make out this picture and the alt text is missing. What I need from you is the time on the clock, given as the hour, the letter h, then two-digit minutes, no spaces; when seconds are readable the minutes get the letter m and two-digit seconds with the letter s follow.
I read 9h37
